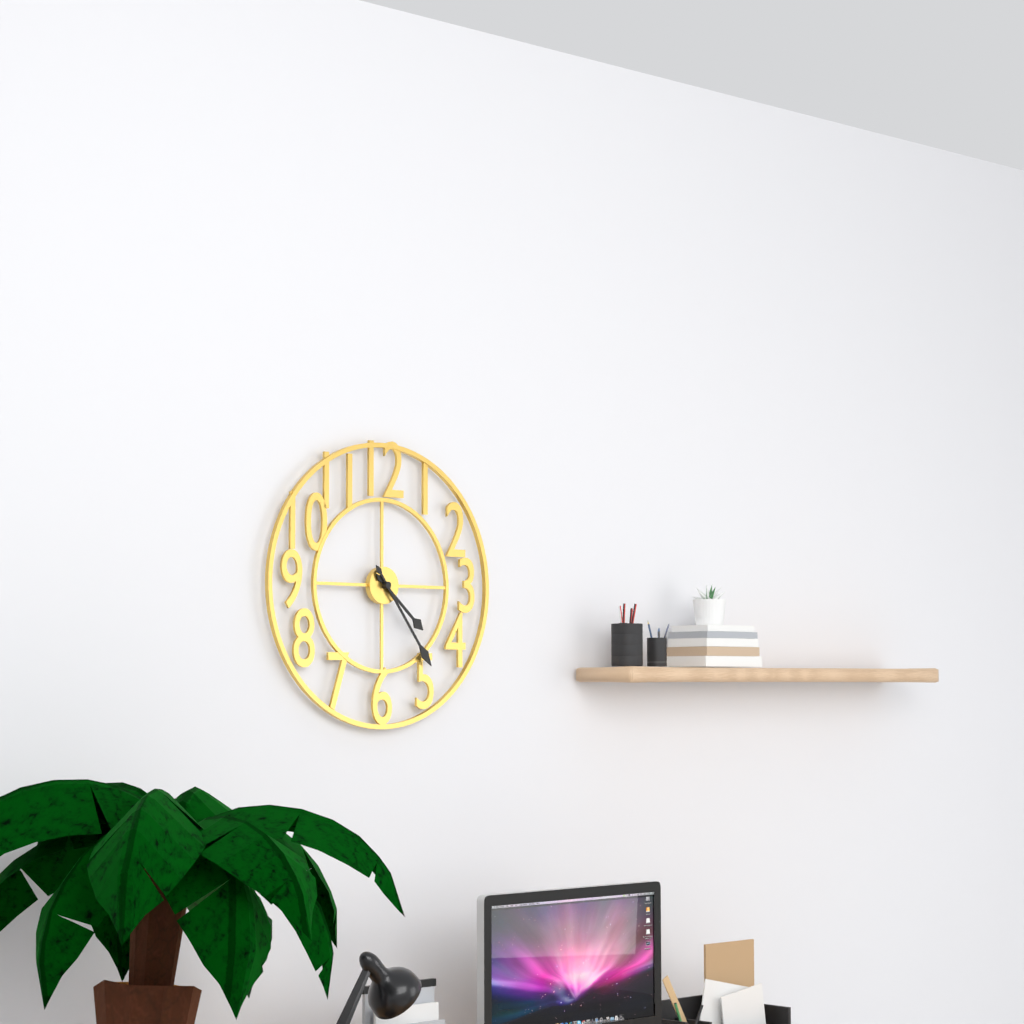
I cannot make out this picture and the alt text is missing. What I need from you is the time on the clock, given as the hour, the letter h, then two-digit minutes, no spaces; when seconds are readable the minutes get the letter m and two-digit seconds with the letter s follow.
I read 4h24
